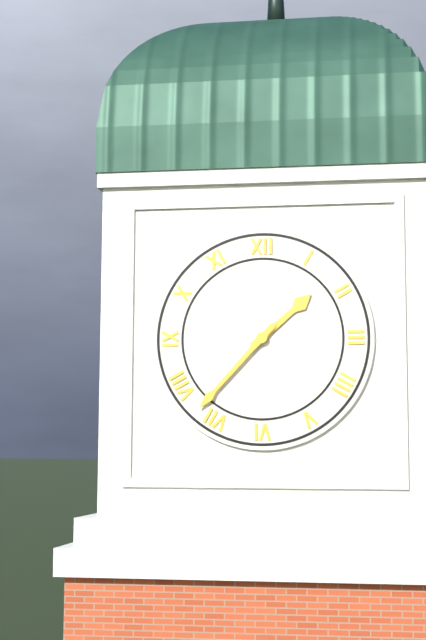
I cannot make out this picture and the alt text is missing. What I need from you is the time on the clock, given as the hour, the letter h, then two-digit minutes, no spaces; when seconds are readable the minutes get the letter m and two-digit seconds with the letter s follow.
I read 1h37
